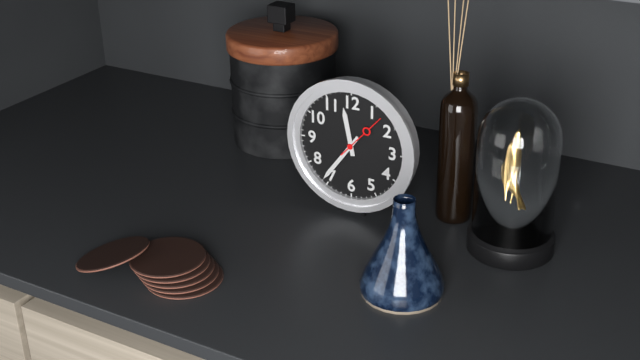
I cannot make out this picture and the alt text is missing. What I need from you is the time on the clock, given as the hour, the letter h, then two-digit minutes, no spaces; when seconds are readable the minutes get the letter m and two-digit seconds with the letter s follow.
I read 11h36m07s
